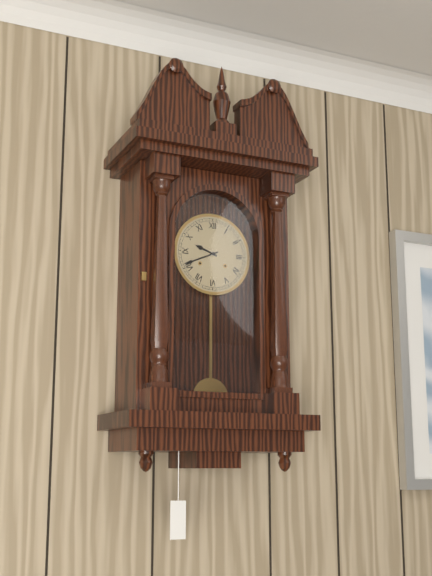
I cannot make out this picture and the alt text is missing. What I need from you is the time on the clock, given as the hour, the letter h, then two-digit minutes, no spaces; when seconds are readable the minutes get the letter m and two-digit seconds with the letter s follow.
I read 9h41
